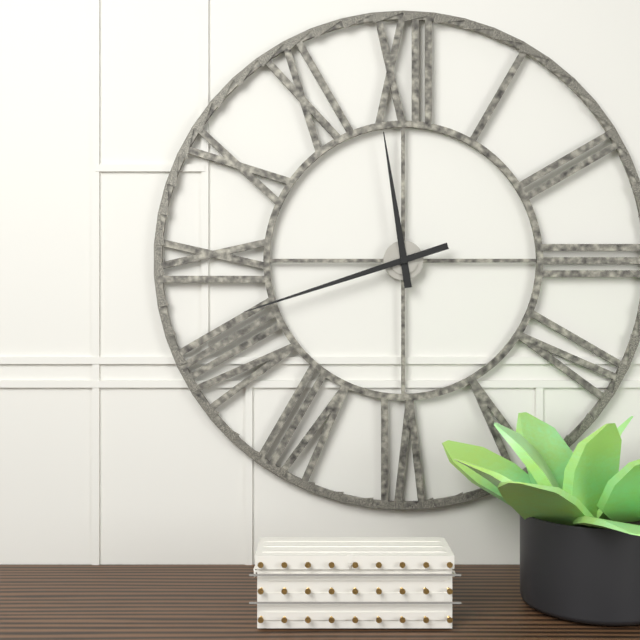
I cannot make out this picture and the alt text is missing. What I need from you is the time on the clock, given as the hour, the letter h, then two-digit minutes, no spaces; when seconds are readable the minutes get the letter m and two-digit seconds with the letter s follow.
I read 11h42
